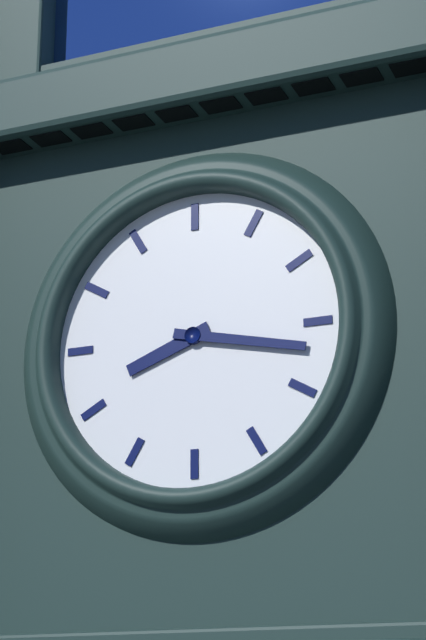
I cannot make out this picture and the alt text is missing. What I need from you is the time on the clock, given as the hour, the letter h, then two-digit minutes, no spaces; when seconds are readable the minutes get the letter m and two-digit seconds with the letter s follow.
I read 8h17
